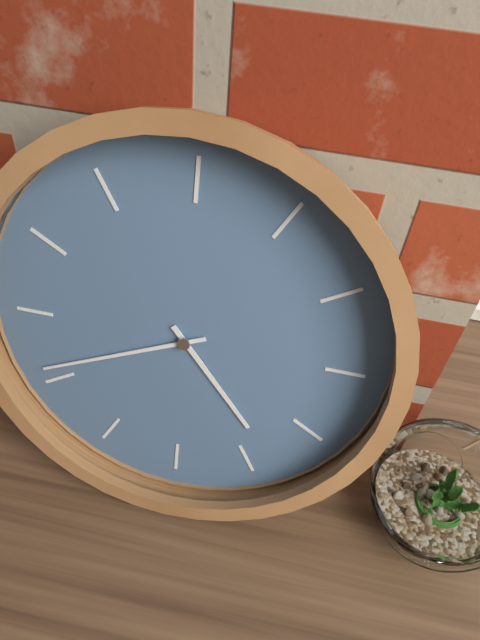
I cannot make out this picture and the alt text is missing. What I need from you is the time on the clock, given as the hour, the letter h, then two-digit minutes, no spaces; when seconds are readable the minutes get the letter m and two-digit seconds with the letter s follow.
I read 4h41
